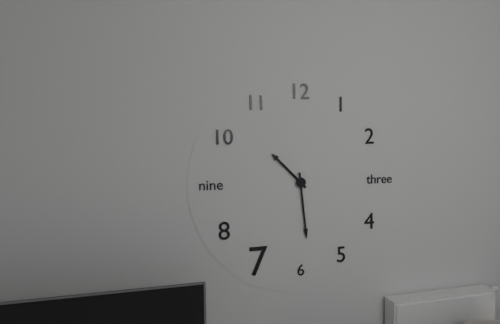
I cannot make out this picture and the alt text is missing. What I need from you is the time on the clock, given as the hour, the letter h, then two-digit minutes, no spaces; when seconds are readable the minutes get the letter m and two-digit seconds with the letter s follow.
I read 10h29
